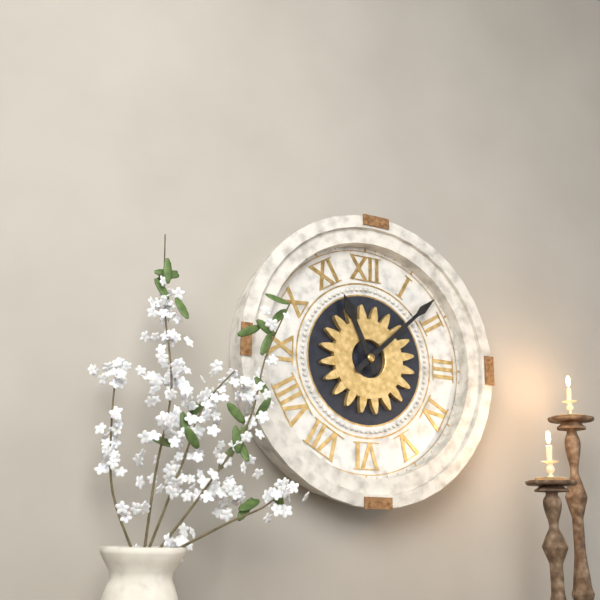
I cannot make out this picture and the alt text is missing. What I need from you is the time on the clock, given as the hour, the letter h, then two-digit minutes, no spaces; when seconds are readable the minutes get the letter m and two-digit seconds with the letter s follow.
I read 11h08
